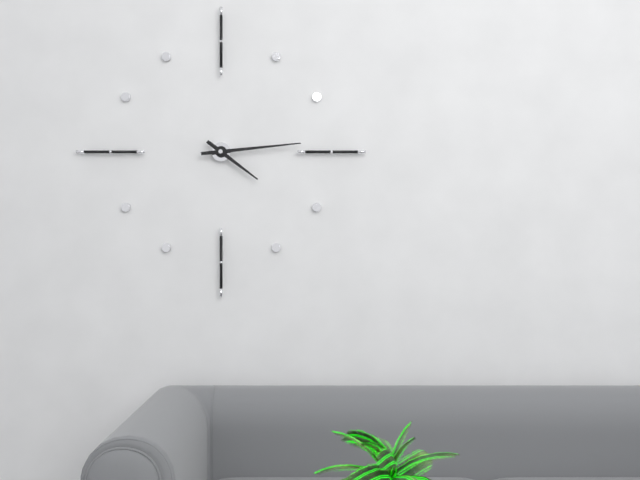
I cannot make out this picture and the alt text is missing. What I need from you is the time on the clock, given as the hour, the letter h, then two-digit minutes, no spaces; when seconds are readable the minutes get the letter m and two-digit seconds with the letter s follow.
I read 4h14
